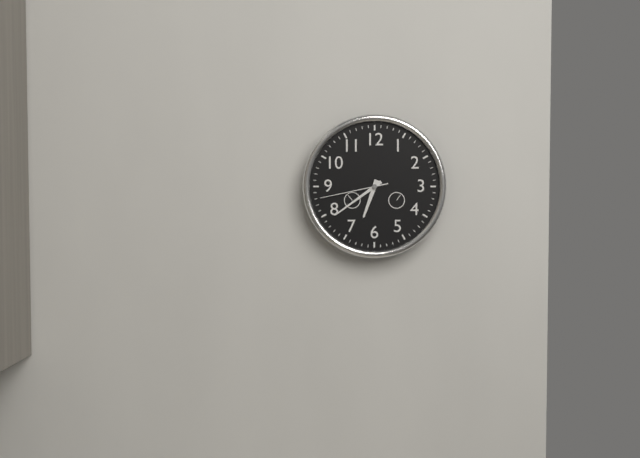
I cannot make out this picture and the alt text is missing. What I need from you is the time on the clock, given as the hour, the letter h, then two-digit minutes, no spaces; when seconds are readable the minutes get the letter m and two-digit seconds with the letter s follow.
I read 6h39m43s
